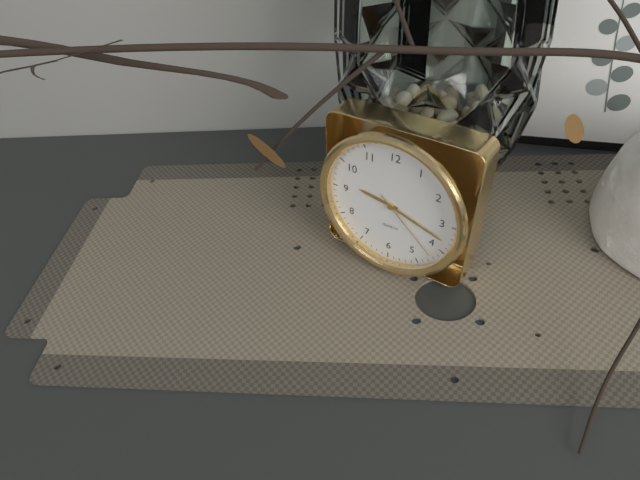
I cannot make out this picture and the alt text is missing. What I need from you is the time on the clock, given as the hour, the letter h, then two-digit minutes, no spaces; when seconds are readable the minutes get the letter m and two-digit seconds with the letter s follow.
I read 9h18m22s
